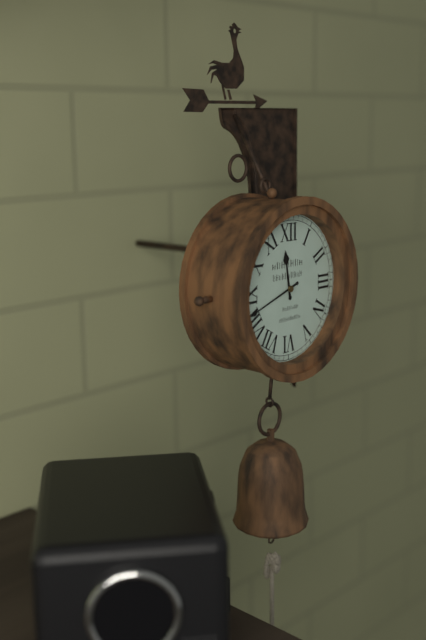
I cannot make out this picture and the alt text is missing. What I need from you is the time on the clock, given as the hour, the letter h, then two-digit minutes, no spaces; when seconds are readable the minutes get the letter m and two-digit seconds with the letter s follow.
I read 11h42
